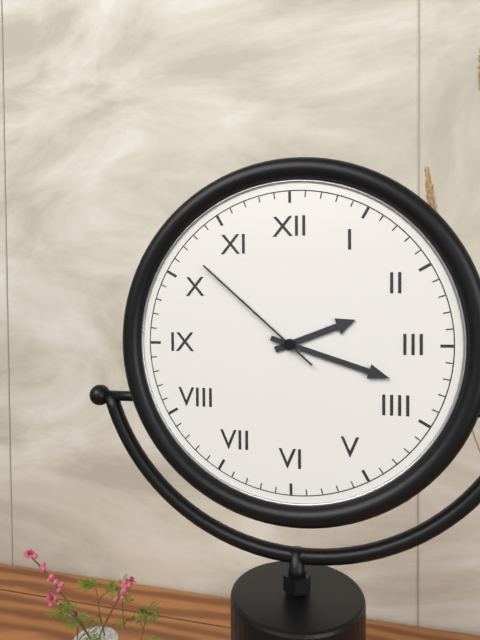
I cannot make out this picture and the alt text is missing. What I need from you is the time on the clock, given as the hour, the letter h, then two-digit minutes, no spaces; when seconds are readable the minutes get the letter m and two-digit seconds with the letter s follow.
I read 2h18m52s
